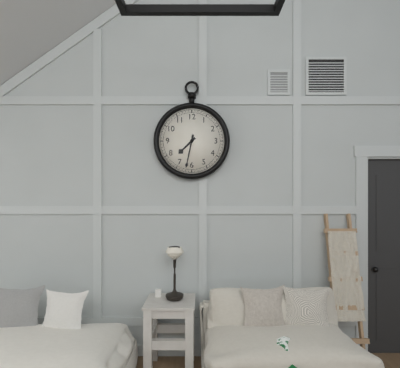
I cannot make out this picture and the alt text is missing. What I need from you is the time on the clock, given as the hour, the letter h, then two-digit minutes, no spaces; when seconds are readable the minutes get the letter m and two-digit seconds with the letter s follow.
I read 7h32
